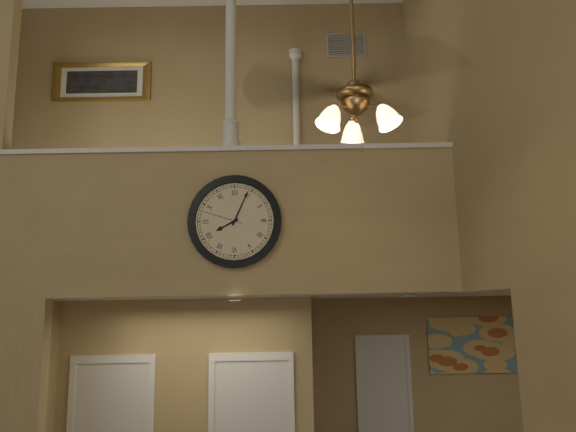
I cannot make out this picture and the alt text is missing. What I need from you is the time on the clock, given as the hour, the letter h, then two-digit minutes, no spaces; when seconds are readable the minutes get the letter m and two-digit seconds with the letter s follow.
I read 8h04
